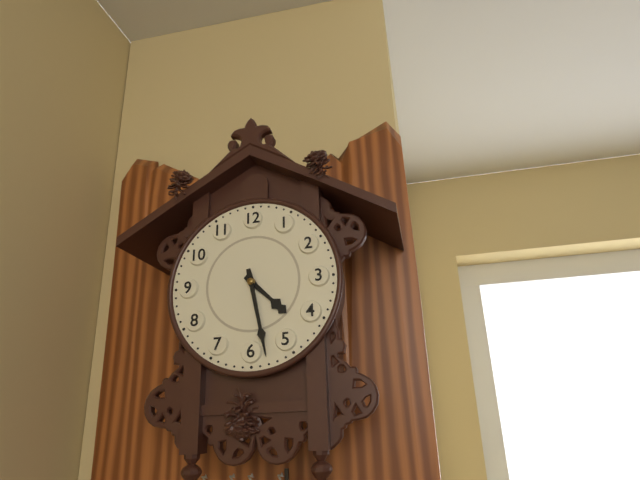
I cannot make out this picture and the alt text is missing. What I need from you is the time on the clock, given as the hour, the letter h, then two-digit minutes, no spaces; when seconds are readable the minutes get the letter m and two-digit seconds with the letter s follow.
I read 4h28
